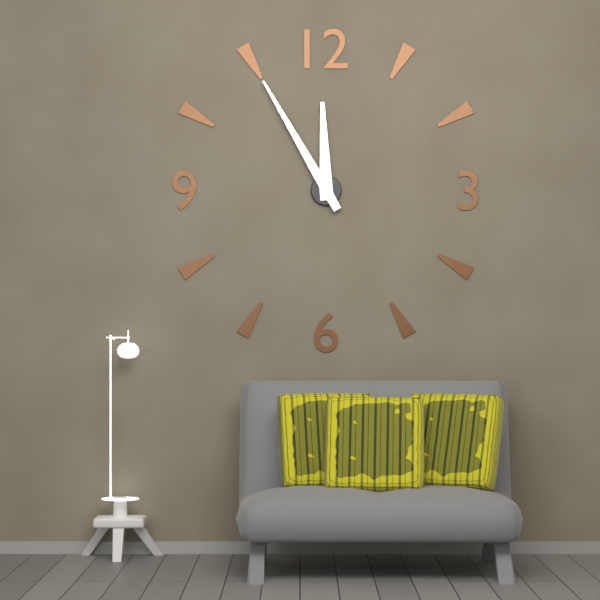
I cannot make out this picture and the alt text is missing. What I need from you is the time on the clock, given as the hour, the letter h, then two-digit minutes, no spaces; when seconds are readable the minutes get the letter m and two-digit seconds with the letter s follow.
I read 11h55
